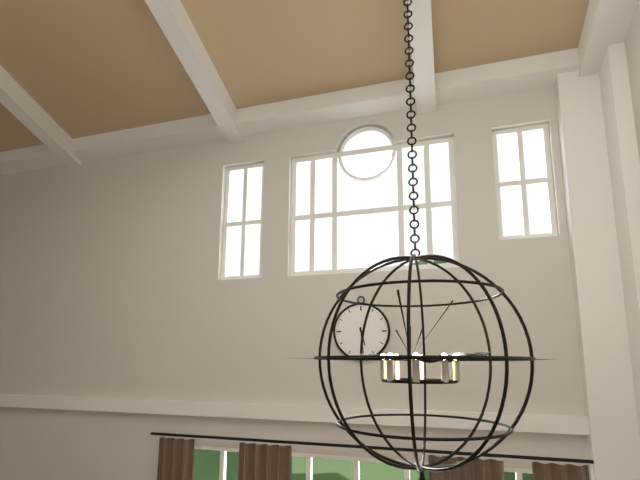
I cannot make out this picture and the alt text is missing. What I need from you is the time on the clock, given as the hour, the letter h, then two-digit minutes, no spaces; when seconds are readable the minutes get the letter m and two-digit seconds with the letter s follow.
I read 5h29
